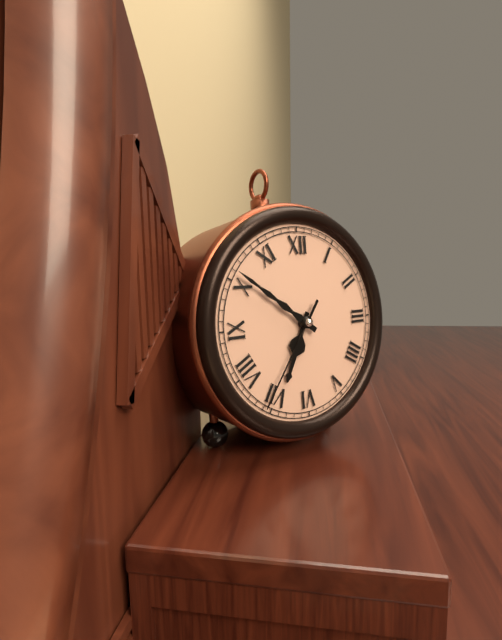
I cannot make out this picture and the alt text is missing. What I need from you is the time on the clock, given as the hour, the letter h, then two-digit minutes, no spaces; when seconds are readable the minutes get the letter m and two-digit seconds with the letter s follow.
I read 6h51m36s
